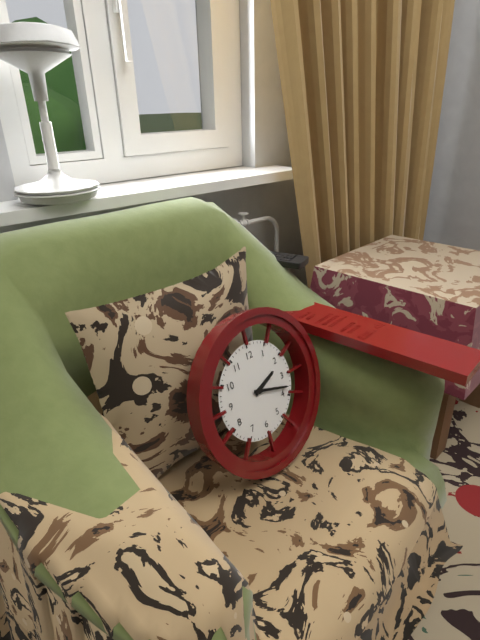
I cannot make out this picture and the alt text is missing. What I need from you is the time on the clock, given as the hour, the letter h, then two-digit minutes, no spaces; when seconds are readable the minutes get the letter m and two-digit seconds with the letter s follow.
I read 2h18
